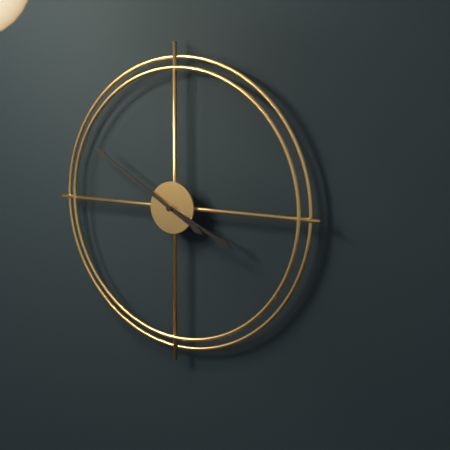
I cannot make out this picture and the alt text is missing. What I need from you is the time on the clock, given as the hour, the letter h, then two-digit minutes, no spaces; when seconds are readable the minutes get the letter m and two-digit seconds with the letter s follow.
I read 3h50
